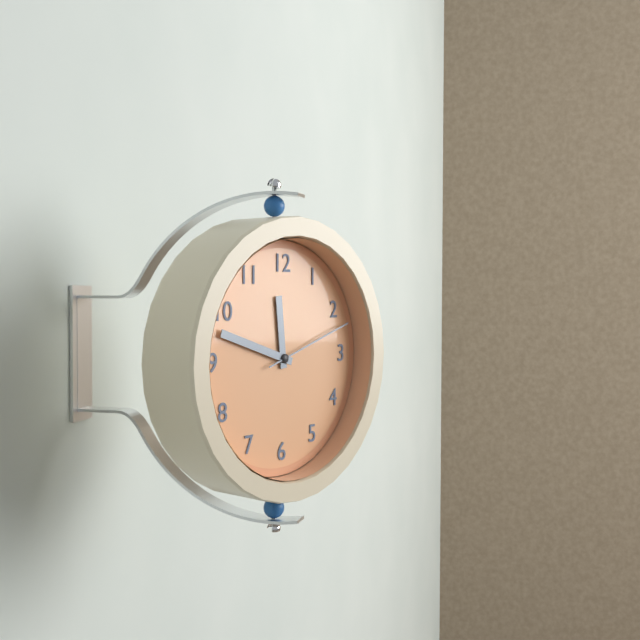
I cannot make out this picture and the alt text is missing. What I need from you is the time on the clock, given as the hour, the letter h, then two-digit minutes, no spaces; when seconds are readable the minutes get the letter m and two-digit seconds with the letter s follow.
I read 11h48m12s
